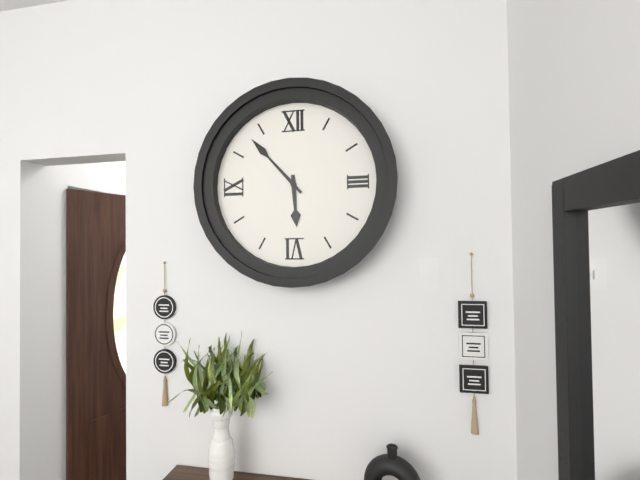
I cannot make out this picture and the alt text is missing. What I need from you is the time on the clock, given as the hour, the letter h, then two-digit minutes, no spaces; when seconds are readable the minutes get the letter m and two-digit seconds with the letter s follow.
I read 5h53
